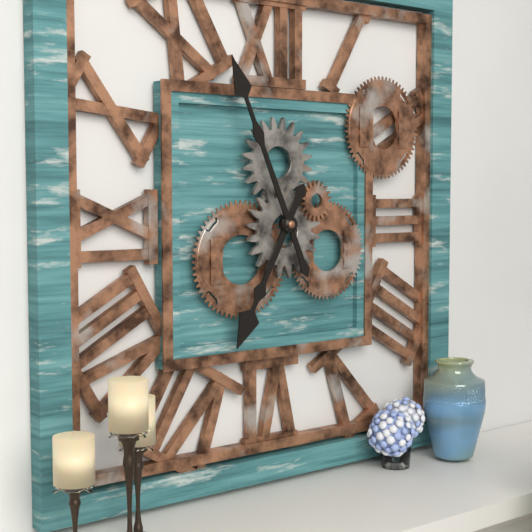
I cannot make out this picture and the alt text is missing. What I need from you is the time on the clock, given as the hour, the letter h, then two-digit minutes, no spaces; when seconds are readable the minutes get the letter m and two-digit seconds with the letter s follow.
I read 6h56
